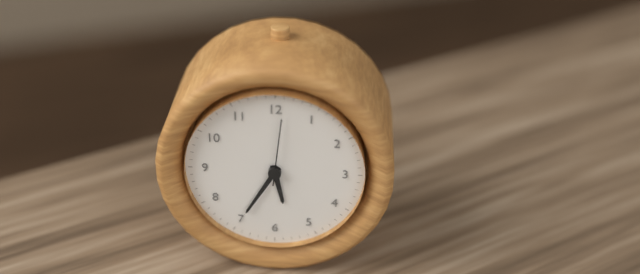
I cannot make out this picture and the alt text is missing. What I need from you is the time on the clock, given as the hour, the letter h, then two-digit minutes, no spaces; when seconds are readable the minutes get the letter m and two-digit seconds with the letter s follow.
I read 5h35m01s
